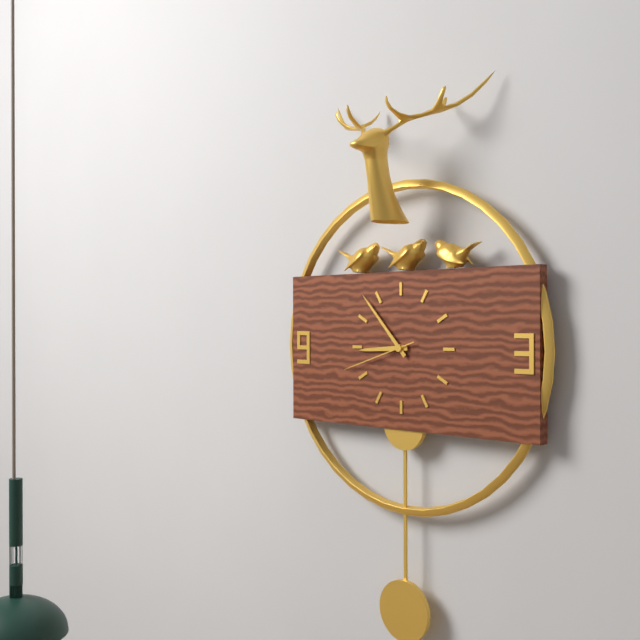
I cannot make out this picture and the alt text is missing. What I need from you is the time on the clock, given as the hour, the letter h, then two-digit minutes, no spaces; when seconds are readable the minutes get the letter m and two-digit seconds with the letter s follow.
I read 8h53m42s
